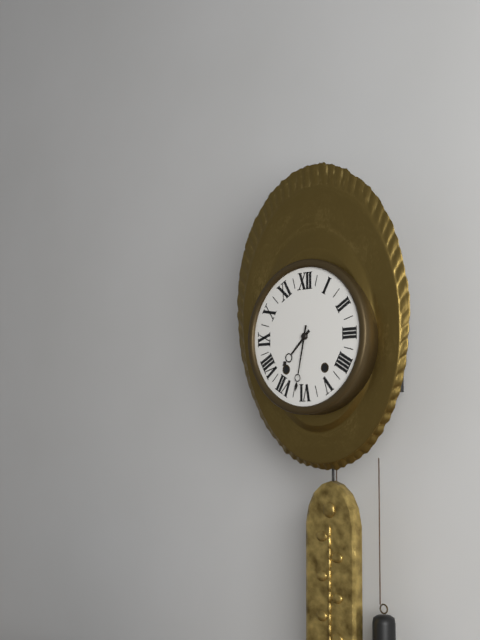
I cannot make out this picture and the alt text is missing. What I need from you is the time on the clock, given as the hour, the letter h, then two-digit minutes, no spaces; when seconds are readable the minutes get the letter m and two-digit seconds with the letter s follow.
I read 7h32
